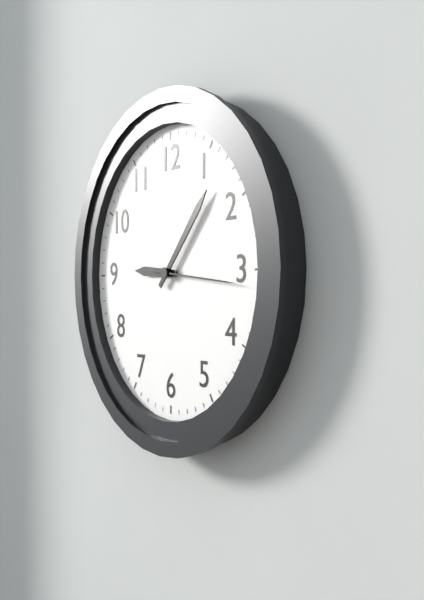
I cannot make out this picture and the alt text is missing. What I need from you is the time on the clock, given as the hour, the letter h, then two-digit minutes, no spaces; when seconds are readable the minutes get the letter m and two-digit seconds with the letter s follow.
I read 9h07m16s
